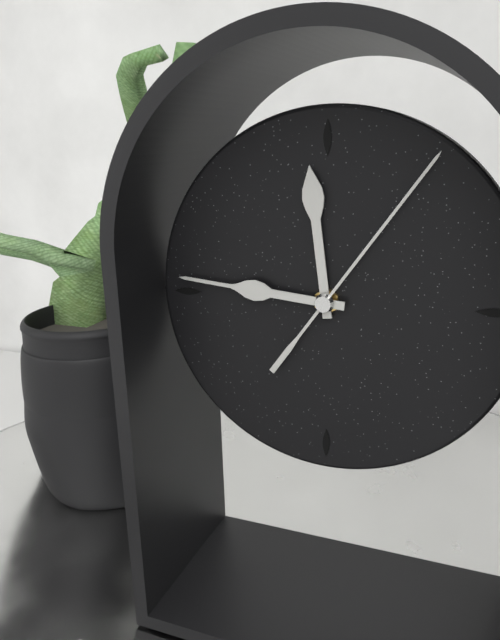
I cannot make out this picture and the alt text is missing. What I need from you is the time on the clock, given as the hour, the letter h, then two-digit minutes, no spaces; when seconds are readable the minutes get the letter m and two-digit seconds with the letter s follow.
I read 11h46m06s
